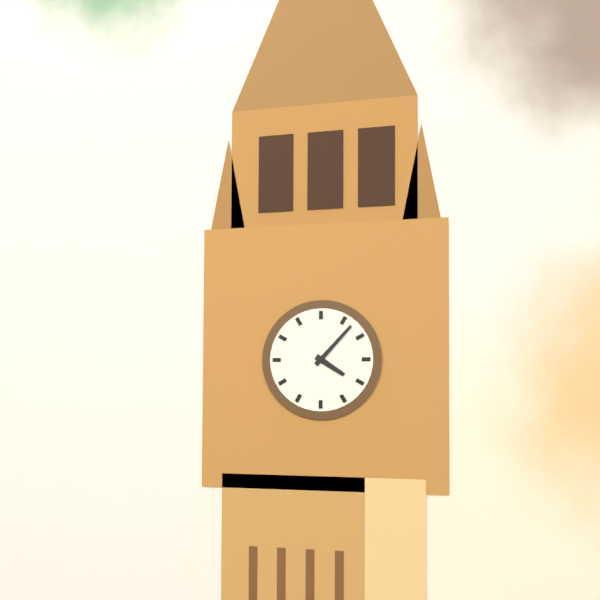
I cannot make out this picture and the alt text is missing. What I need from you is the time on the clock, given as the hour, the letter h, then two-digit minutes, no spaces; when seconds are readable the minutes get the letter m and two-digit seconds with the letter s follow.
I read 4h07
